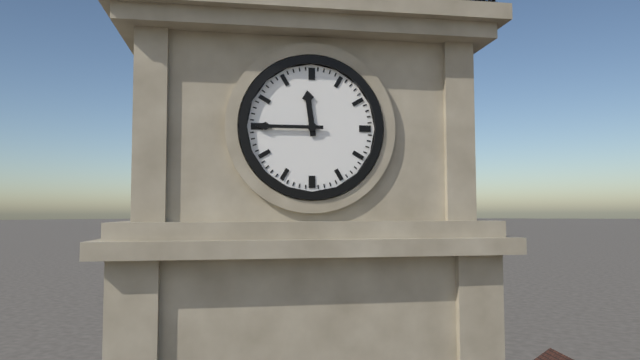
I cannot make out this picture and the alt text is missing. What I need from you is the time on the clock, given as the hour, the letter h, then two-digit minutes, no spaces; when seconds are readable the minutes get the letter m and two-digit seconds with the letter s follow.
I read 11h45
